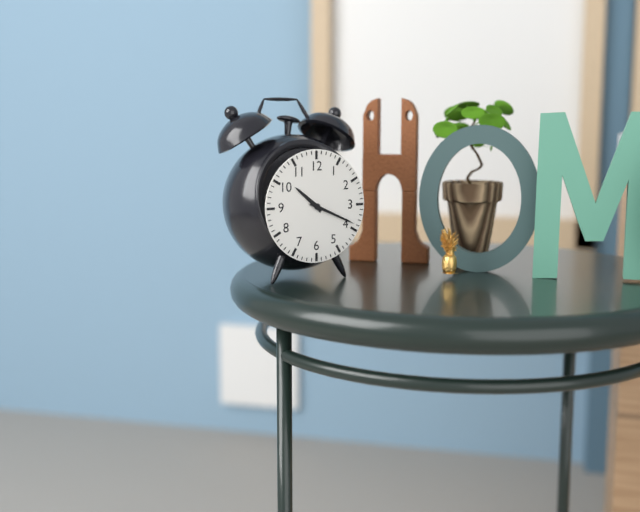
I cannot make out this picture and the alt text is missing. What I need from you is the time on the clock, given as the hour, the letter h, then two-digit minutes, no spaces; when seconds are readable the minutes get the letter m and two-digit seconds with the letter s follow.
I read 10h19
